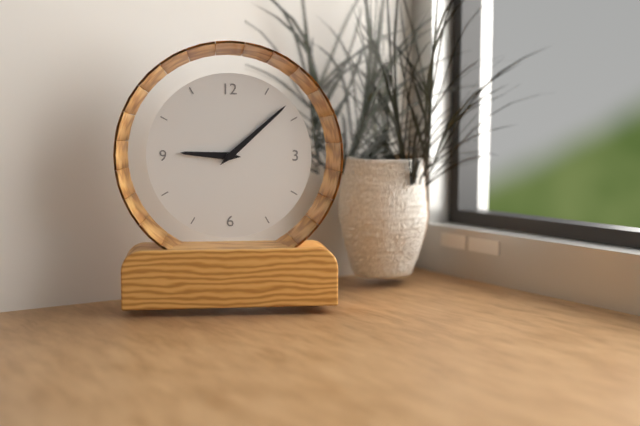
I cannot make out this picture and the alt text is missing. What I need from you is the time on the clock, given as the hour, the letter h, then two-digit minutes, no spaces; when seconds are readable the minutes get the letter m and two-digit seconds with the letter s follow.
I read 9h08
